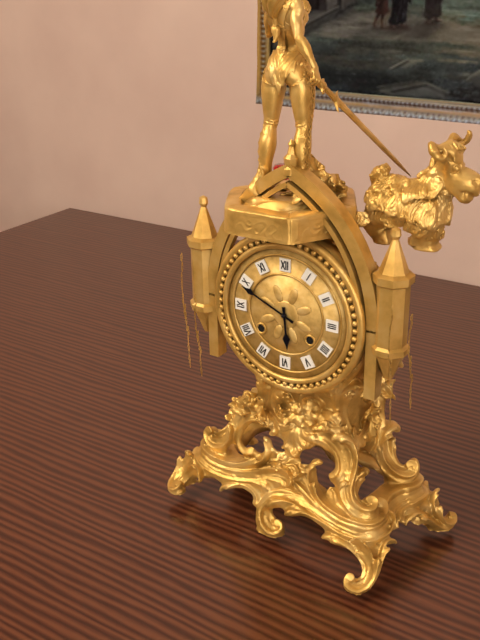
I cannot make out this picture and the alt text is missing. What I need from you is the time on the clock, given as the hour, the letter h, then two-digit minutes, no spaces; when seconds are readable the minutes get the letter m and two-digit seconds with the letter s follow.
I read 5h49
